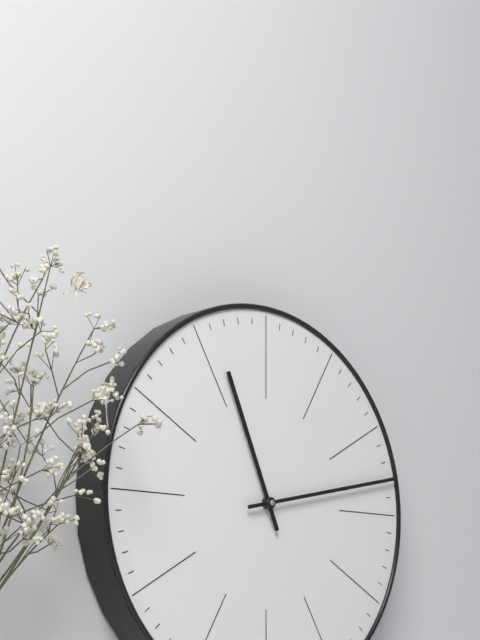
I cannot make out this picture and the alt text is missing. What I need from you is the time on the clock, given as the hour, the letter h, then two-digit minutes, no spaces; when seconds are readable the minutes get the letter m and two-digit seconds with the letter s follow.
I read 11h13
